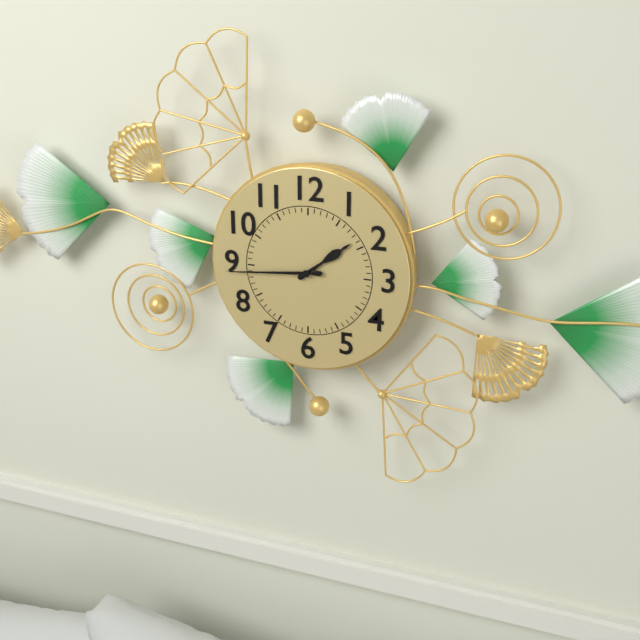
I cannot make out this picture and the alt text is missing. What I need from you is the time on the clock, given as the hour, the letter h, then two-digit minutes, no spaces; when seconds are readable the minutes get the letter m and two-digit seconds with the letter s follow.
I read 1h44
